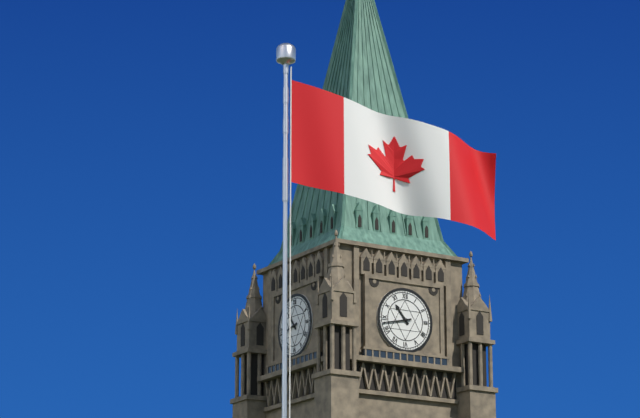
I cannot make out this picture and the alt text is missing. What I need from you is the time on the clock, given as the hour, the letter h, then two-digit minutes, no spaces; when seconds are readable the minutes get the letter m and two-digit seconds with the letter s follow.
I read 10h43
